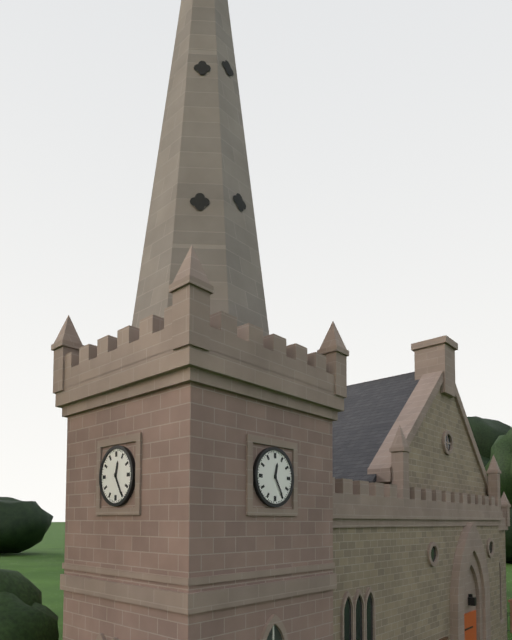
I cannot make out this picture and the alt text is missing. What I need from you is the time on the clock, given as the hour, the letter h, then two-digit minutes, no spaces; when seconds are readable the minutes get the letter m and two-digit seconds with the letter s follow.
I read 12h25
